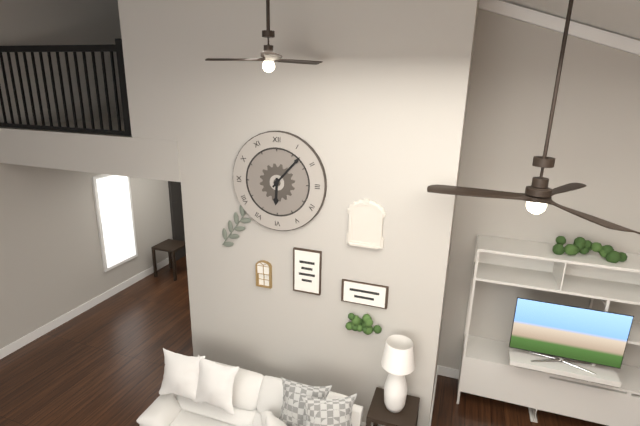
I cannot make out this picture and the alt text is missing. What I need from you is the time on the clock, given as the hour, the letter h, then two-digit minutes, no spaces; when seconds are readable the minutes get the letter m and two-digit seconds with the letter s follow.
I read 6h07
